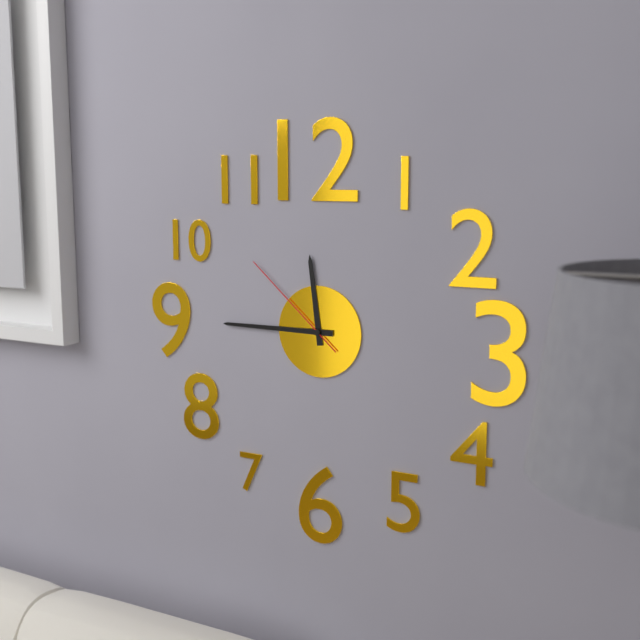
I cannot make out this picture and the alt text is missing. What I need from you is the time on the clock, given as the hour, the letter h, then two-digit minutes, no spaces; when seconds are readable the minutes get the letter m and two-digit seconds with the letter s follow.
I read 11h45m52s
